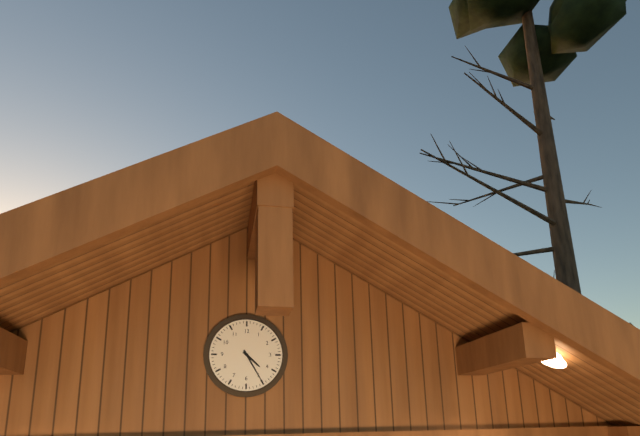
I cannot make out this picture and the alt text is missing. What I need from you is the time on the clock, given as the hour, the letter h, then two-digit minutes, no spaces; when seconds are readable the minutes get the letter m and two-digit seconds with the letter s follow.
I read 4h25
